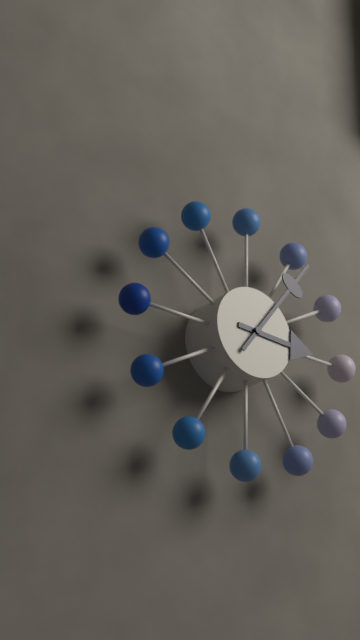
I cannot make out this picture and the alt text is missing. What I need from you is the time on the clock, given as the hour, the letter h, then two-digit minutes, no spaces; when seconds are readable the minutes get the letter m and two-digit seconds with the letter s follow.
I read 3h06
